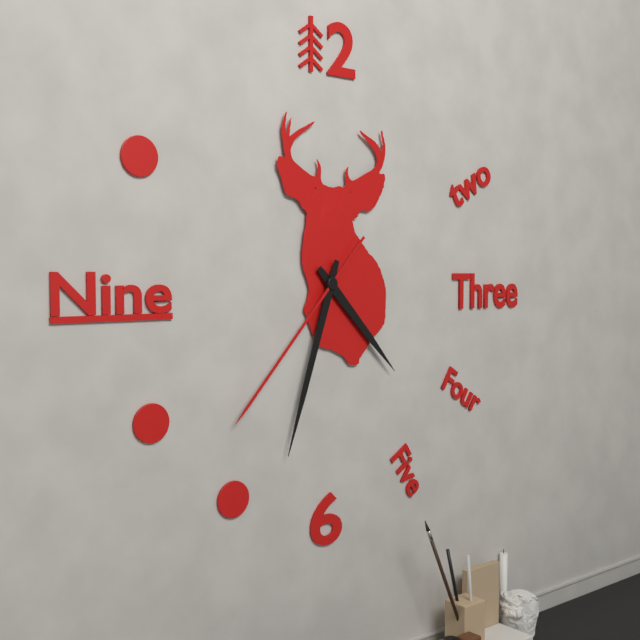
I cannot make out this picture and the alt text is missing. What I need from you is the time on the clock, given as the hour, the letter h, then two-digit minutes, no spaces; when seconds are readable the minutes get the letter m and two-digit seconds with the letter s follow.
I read 4h33m37s
